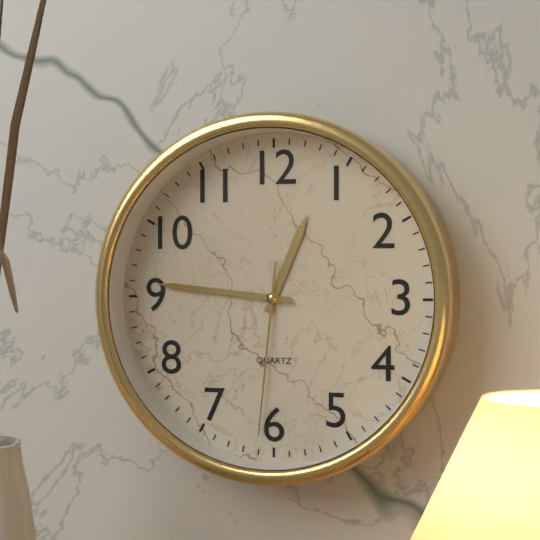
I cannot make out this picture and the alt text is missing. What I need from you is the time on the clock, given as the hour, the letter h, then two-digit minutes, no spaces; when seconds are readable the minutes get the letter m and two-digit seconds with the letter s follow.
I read 12h46m31s
